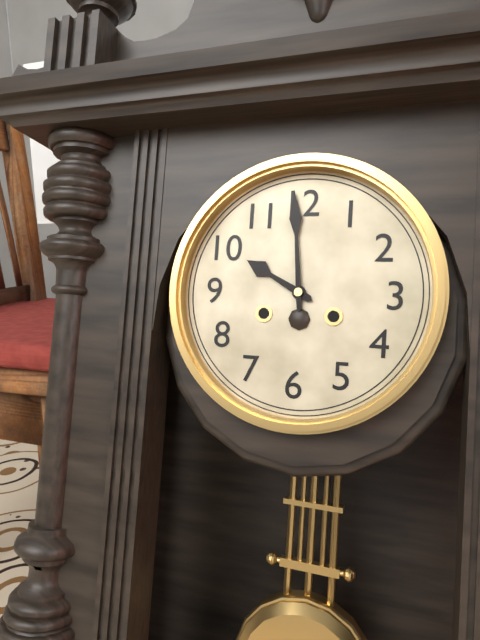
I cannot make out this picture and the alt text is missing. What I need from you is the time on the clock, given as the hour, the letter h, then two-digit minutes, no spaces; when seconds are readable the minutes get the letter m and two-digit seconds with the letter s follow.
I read 9h59
